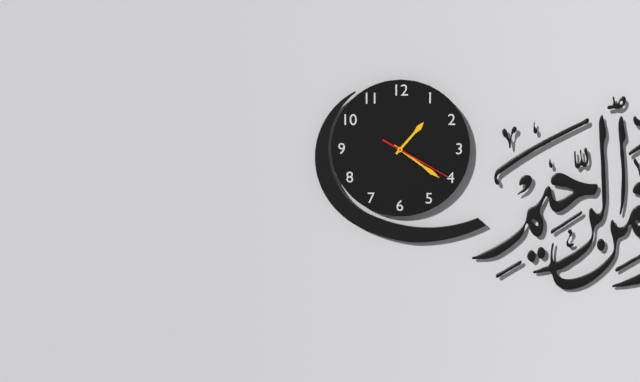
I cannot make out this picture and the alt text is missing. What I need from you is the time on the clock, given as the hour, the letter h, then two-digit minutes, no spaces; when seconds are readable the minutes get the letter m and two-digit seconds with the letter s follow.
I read 1h21m20s
